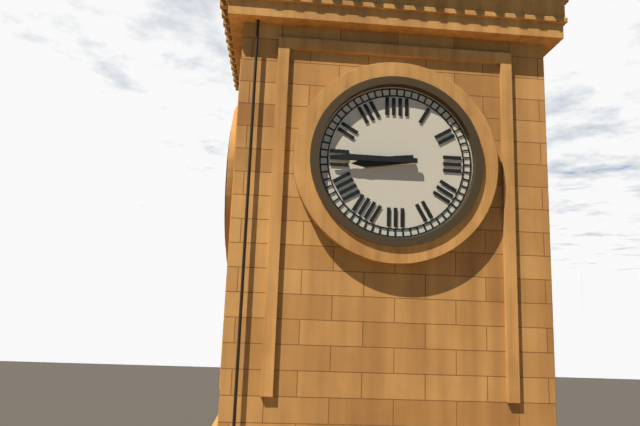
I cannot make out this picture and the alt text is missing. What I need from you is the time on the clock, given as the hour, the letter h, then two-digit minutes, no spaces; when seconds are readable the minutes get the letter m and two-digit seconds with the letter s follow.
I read 8h45
